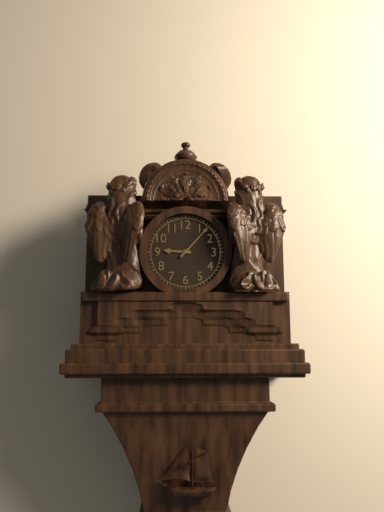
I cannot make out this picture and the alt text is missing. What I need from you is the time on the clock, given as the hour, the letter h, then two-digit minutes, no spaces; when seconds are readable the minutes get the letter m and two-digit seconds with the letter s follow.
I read 9h07
